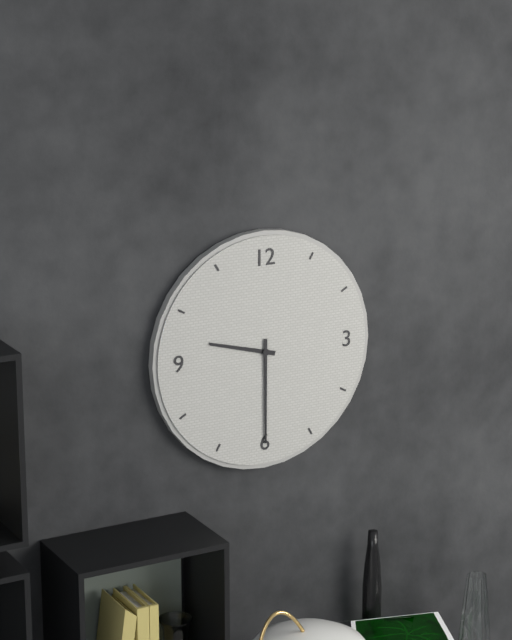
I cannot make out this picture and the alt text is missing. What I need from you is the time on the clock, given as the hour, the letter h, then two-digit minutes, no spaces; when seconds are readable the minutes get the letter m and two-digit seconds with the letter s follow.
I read 9h30
